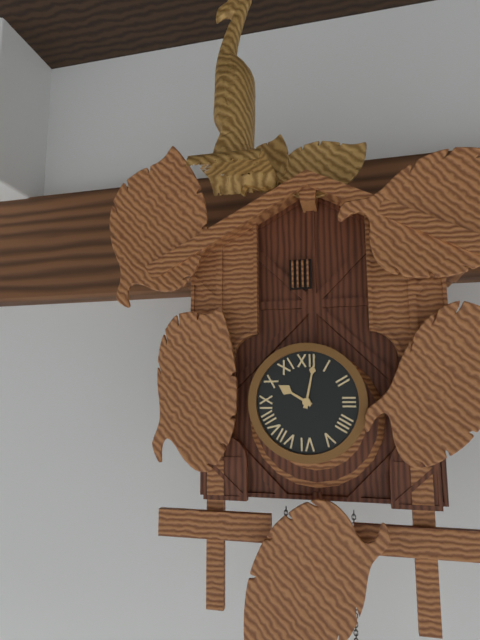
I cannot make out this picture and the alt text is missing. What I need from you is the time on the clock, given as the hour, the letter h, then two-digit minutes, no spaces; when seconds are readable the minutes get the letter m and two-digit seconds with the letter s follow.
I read 10h02
